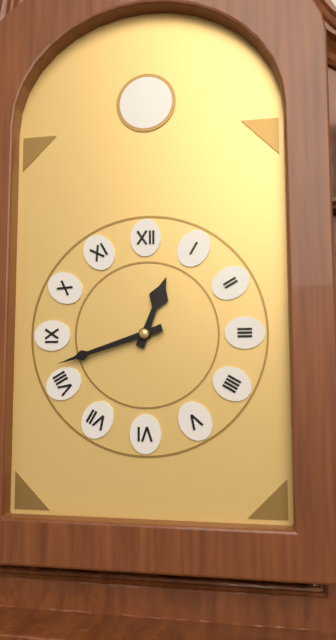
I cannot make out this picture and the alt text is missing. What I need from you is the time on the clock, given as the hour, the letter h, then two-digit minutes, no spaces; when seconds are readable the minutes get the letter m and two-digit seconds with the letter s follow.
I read 12h42
